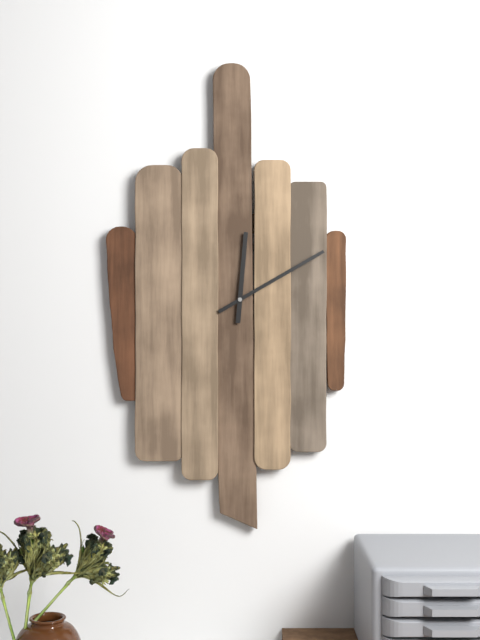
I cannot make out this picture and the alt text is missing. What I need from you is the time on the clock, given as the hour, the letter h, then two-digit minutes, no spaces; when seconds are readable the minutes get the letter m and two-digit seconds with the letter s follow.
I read 12h10
